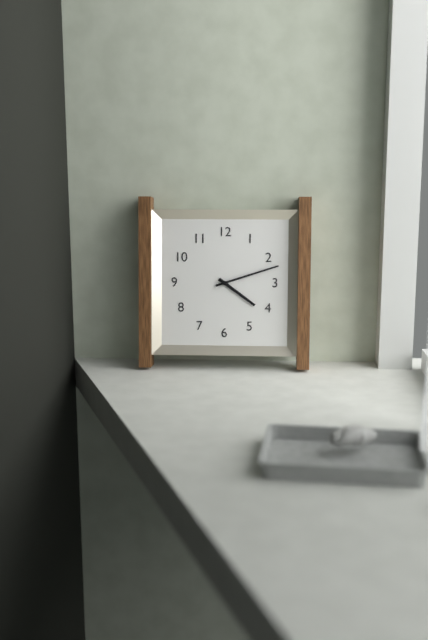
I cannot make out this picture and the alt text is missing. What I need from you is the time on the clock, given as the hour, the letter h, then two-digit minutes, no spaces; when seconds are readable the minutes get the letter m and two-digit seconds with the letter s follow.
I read 4h12
